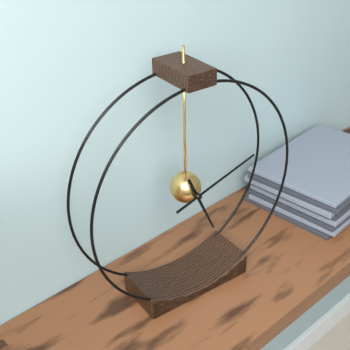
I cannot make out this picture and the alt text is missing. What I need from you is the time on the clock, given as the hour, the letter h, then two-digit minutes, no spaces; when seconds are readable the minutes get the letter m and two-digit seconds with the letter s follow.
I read 5h12
